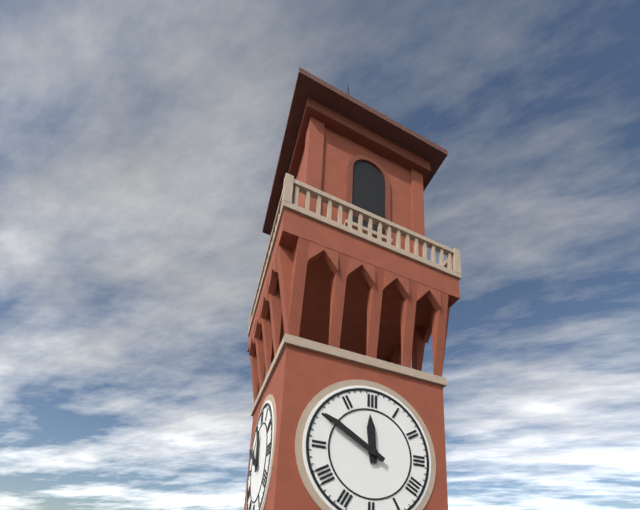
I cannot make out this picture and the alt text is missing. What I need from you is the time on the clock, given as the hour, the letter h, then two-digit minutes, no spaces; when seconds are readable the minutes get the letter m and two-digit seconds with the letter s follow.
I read 11h50
